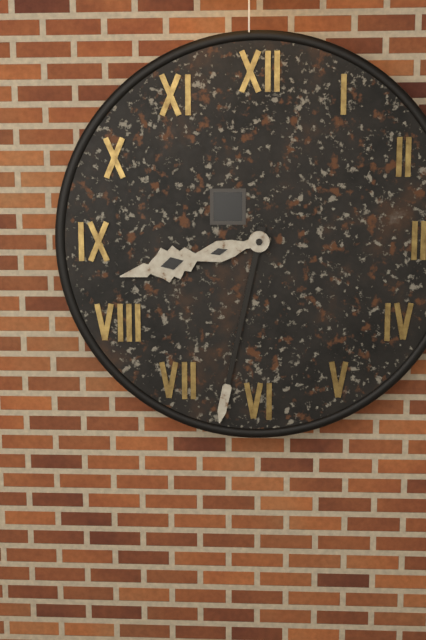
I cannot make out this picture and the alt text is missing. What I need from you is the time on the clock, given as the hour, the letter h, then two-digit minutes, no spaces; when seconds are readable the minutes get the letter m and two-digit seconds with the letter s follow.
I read 8h32
